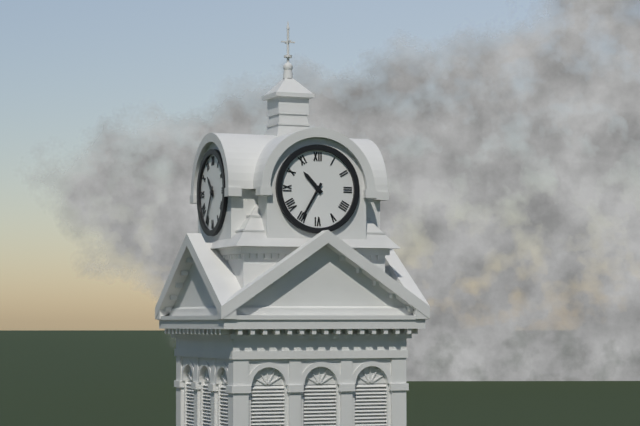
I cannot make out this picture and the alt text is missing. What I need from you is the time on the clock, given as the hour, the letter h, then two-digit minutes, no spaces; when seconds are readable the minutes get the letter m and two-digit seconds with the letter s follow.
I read 10h35
